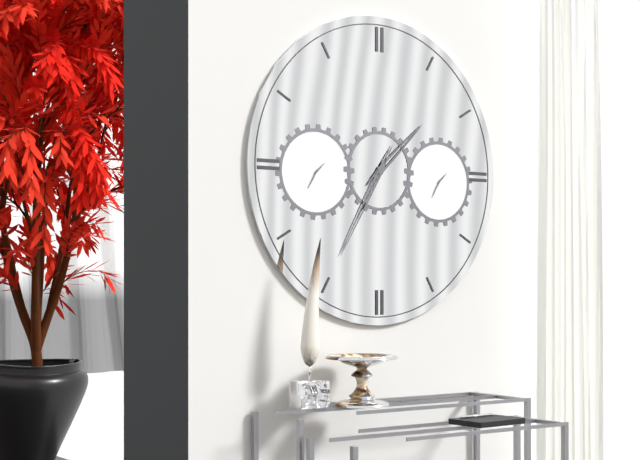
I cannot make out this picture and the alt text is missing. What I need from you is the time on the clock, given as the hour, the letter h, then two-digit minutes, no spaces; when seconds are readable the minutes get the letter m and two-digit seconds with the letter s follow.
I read 1h35
